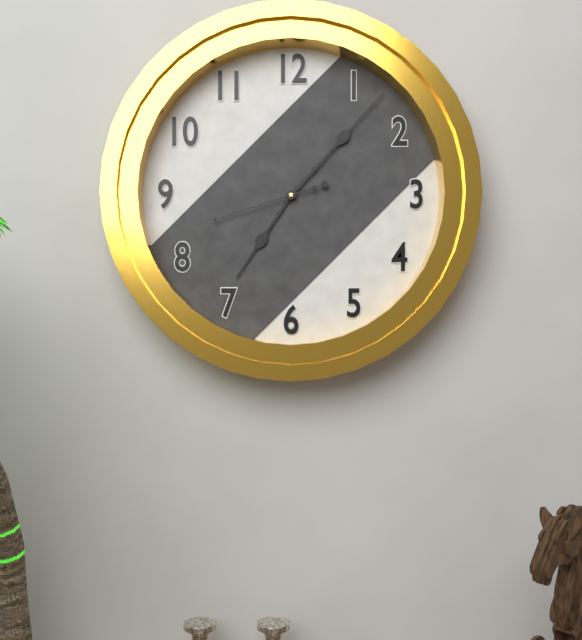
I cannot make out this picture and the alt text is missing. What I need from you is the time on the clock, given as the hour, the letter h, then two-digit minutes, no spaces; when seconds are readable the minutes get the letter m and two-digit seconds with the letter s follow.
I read 7h07m42s
